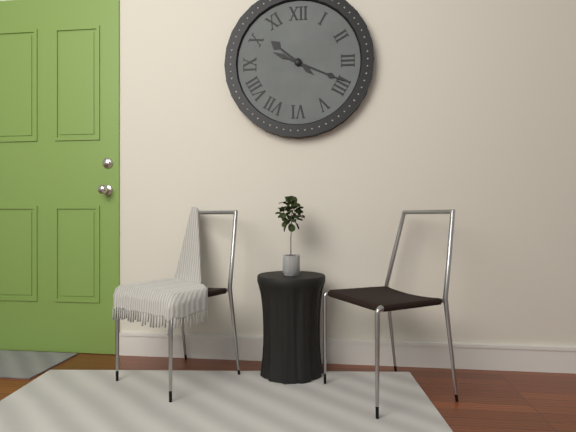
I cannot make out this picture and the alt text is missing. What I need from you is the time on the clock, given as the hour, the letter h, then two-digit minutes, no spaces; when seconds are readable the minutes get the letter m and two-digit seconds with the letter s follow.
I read 10h19
